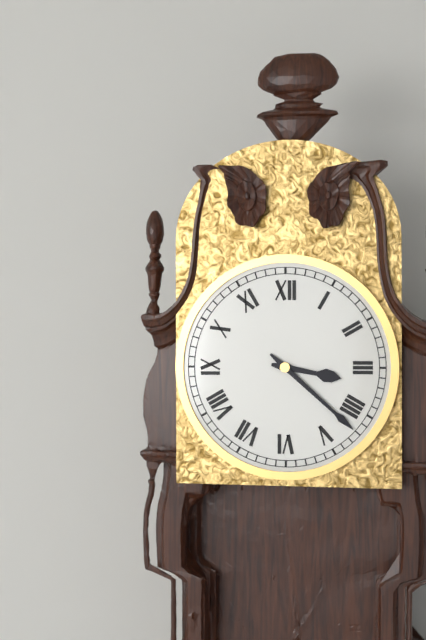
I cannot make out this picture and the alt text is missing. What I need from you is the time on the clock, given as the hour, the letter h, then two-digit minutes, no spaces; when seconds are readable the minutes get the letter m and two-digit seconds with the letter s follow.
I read 3h22
